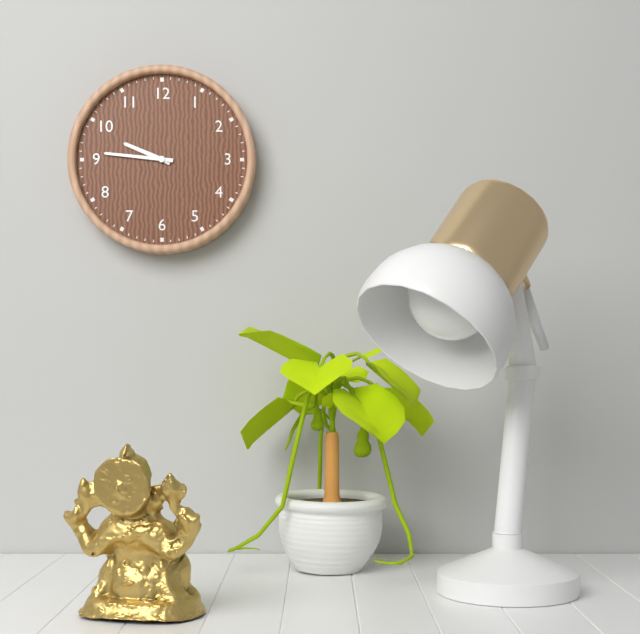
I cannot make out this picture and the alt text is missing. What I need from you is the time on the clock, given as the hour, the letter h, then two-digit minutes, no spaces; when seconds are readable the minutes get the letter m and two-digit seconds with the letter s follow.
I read 9h46
